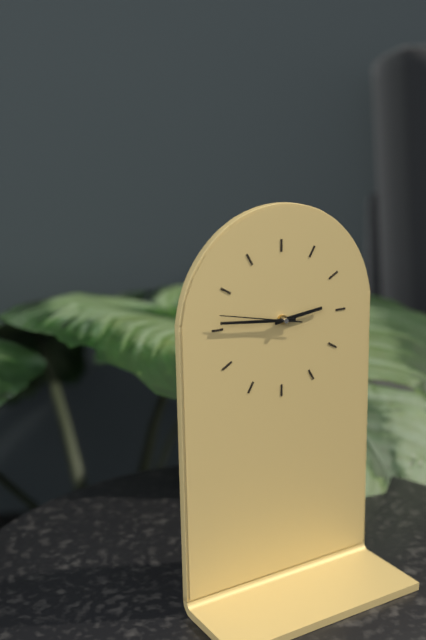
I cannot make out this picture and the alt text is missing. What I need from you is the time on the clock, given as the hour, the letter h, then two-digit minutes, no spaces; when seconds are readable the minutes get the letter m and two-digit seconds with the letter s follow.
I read 2h46m47s
